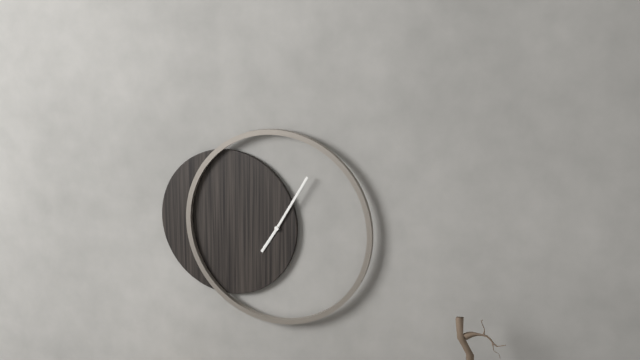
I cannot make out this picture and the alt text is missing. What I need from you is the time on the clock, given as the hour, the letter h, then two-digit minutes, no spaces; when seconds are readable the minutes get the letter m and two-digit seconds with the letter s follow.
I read 7h05
